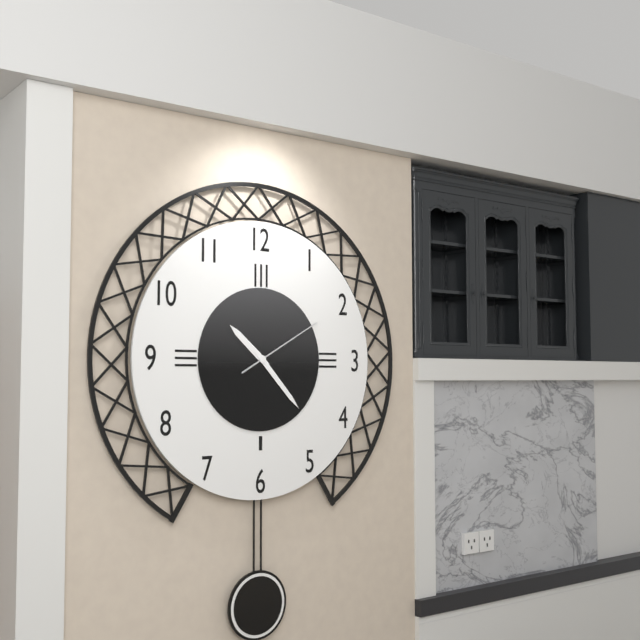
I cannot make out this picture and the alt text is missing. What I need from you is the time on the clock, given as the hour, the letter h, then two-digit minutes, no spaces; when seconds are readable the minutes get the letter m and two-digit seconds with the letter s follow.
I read 10h23m10s
